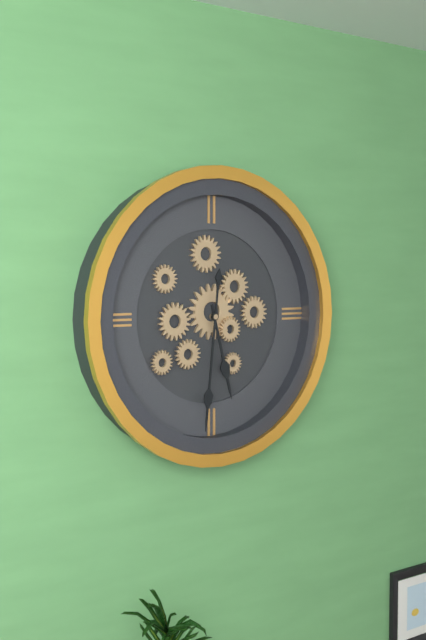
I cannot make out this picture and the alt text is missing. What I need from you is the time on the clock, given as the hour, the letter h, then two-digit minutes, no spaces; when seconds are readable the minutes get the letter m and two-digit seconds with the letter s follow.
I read 5h31
